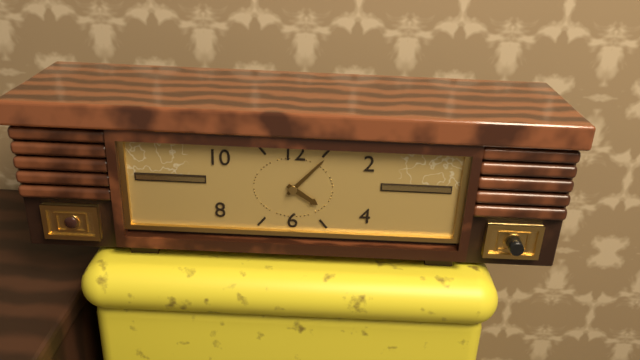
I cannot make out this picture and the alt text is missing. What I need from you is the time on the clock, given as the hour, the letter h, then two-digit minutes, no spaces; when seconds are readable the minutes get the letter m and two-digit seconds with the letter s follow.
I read 4h07
